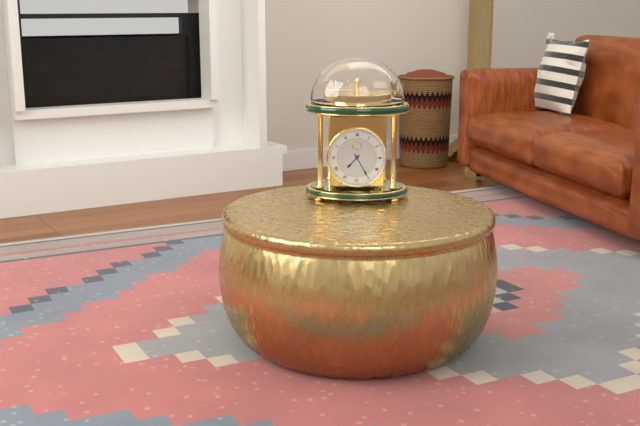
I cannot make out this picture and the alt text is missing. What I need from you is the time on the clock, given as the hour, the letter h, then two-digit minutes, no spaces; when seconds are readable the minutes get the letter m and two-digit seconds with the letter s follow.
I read 7h25
